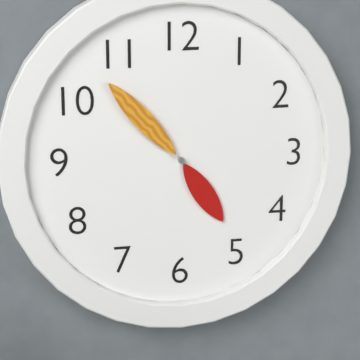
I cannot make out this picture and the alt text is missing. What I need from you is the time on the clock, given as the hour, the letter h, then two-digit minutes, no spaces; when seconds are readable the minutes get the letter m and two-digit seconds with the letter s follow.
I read 4h53
